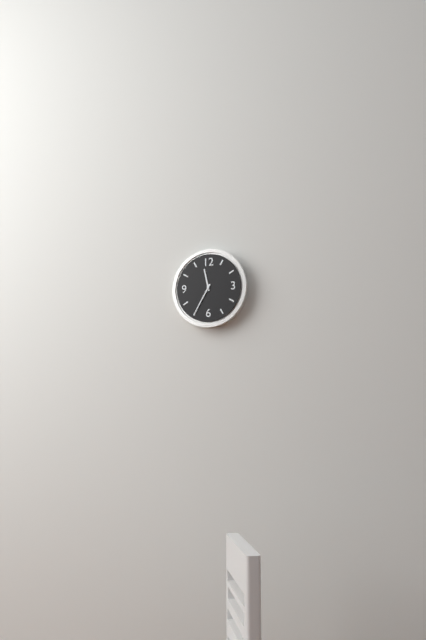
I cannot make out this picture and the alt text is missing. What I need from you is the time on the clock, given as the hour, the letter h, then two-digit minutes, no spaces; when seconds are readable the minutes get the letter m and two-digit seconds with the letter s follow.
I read 11h35
